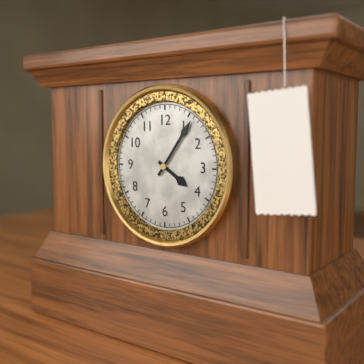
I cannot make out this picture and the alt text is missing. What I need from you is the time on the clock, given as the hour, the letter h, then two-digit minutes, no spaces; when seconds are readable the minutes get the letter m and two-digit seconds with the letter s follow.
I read 4h06
